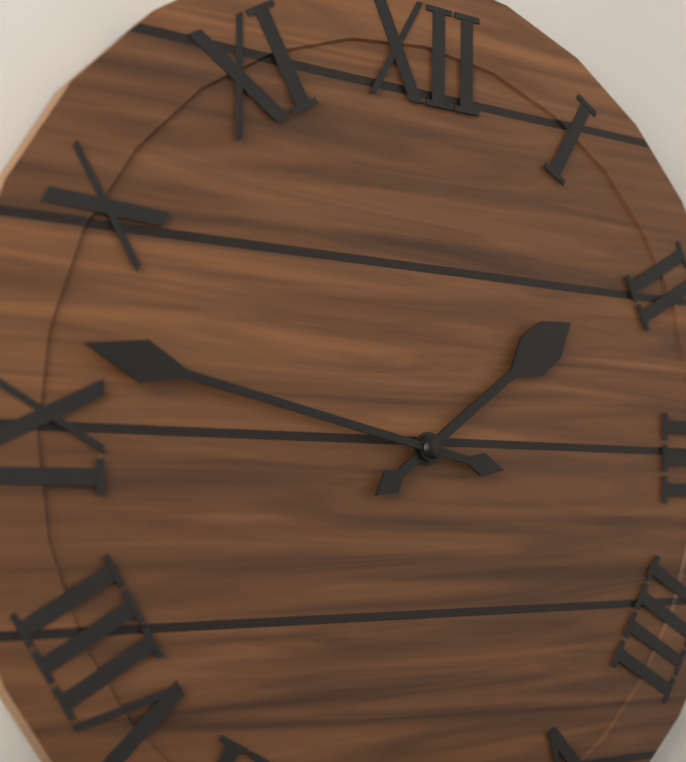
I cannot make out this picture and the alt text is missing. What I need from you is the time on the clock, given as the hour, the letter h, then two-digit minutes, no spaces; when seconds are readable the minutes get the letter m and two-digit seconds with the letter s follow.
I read 1h47
